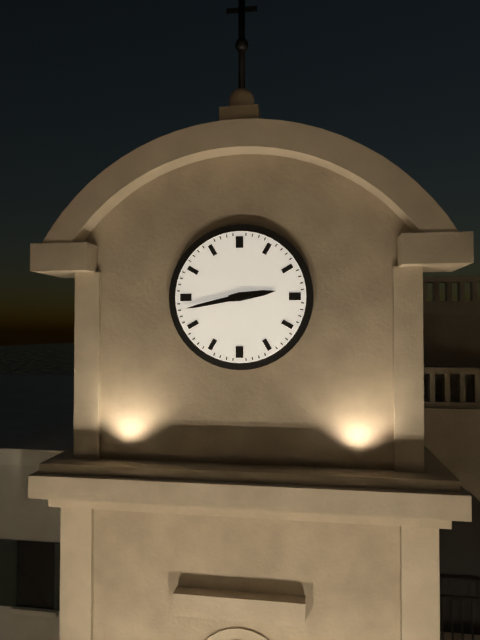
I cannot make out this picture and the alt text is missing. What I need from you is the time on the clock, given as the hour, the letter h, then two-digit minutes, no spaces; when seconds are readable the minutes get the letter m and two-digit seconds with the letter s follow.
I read 2h43
